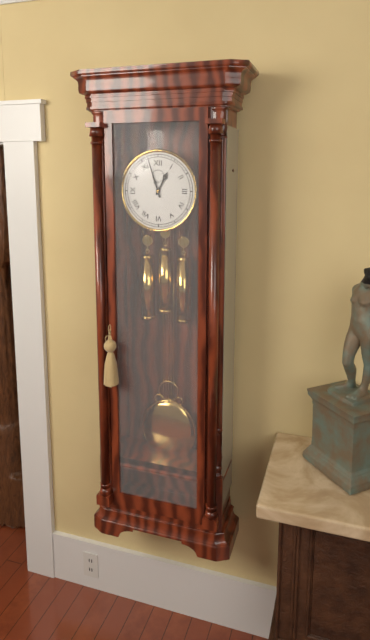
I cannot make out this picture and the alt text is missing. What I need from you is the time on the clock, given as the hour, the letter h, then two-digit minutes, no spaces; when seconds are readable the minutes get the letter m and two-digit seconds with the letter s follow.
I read 12h57
